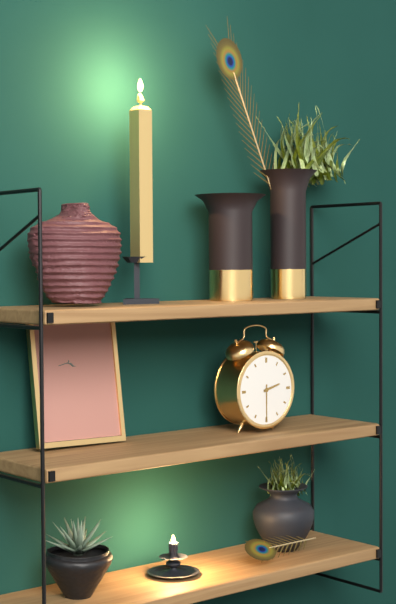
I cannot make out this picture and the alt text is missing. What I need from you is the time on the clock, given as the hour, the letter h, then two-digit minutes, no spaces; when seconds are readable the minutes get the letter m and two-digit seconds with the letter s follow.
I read 2h30
